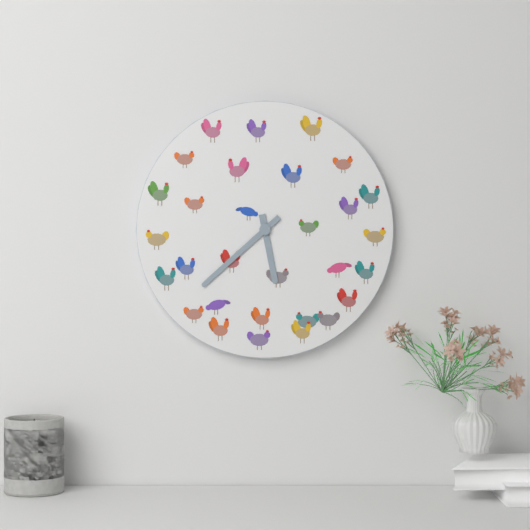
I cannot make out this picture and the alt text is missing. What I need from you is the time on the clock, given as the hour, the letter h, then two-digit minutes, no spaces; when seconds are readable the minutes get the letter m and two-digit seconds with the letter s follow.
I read 5h38
